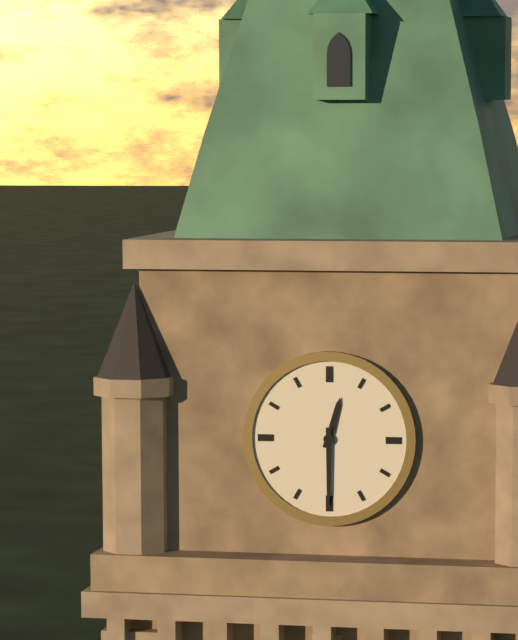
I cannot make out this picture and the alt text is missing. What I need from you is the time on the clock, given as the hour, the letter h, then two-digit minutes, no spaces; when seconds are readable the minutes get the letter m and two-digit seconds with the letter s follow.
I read 12h30
